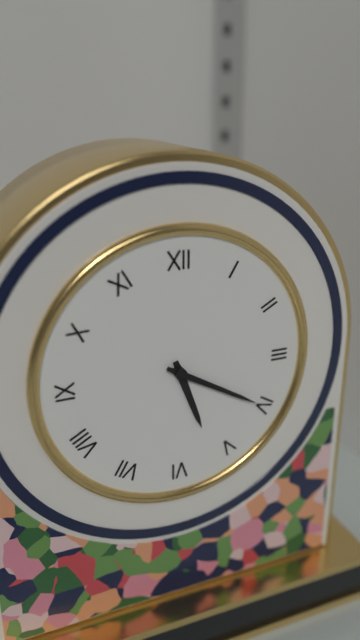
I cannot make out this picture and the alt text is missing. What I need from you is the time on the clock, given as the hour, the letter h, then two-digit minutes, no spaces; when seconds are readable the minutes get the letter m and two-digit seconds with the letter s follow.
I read 5h20
